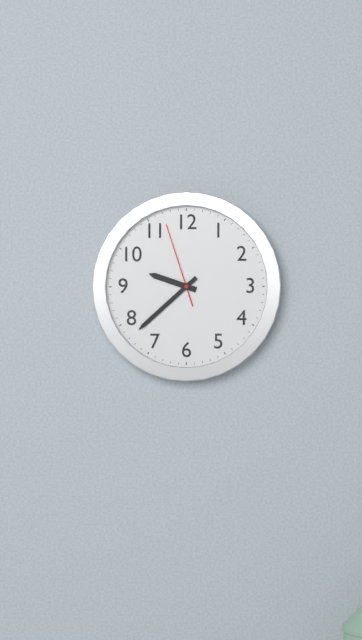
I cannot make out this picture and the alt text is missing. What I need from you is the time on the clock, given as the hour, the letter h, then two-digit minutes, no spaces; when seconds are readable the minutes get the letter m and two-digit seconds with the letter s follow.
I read 9h38m57s
